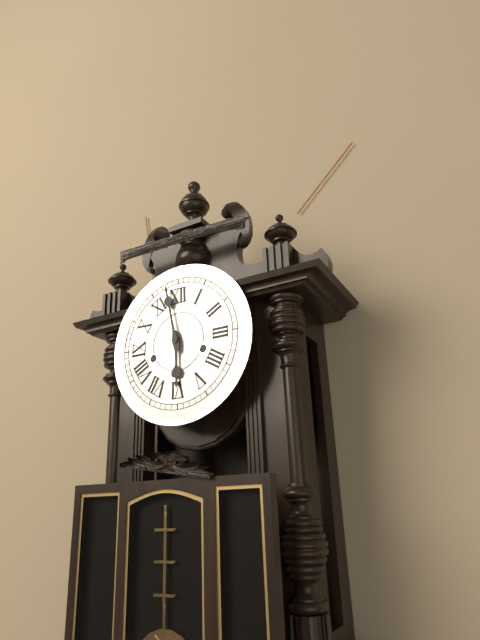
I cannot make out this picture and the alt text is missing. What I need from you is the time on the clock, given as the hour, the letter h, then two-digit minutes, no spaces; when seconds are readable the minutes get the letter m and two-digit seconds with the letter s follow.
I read 5h58
